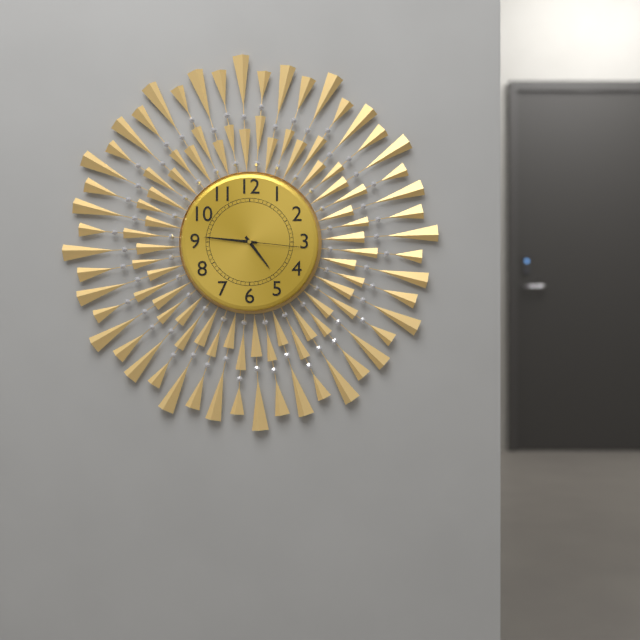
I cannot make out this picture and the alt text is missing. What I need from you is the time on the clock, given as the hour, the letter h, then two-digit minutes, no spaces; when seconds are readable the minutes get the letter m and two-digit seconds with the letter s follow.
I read 4h46m16s
